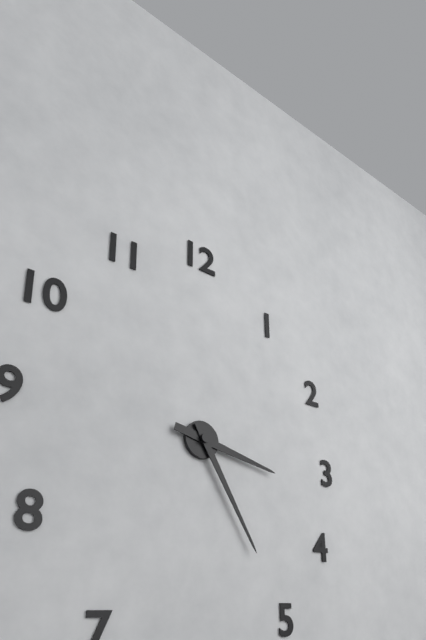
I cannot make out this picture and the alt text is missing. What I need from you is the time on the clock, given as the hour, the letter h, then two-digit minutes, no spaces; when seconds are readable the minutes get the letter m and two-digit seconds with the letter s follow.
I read 3h25
